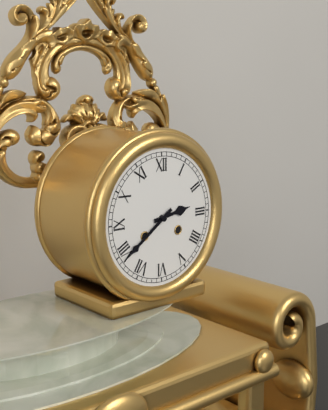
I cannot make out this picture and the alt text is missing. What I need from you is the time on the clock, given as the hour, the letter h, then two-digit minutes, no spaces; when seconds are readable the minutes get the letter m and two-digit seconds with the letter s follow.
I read 2h39
